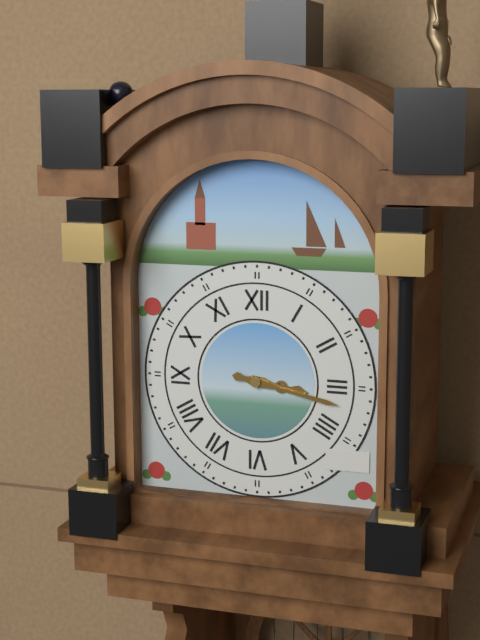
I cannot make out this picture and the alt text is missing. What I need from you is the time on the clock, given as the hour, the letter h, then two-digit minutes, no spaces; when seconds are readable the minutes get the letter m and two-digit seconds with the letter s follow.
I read 3h17
